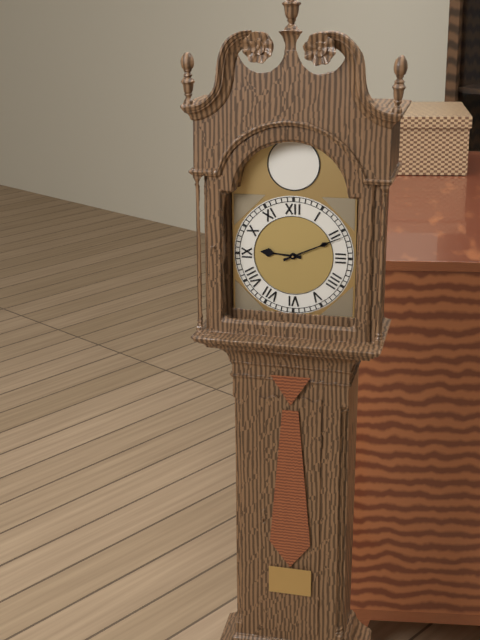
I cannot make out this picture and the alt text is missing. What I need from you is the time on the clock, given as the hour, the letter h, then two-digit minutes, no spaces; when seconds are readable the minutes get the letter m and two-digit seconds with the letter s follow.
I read 9h11
